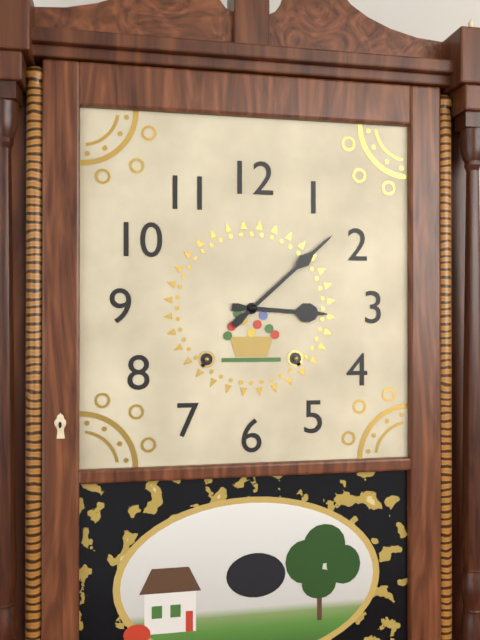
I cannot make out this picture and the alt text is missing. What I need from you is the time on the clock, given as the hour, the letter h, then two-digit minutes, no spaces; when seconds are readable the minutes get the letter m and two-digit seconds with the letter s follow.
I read 3h08
